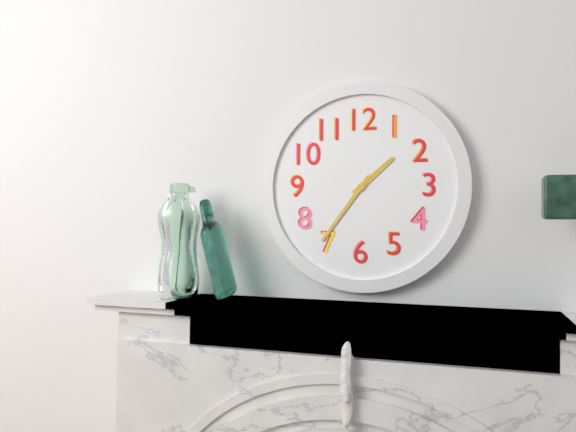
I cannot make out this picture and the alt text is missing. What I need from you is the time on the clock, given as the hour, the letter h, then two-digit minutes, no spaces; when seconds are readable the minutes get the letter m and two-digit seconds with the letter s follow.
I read 1h36
